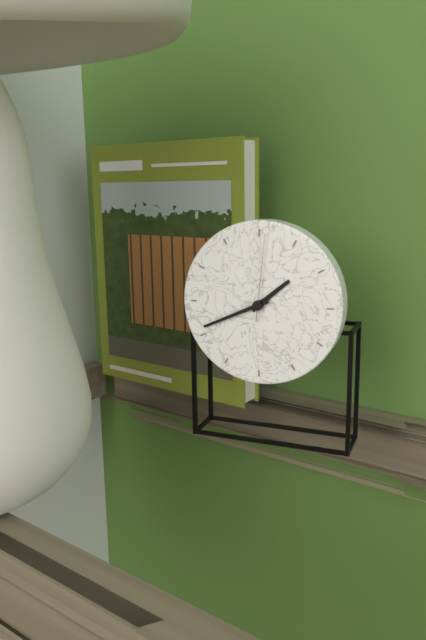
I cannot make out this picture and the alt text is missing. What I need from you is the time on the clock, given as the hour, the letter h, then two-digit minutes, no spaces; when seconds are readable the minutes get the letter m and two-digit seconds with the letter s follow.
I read 1h41m01s
